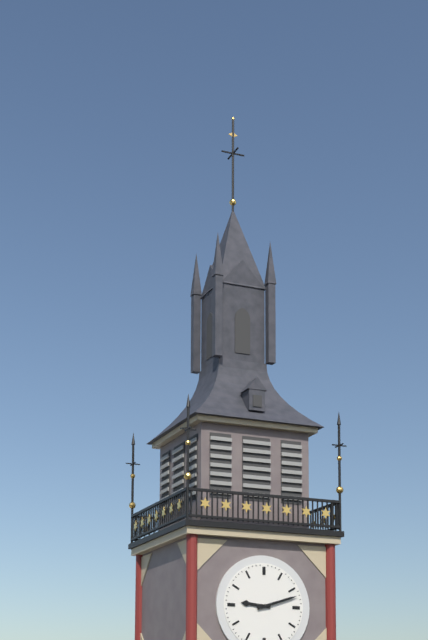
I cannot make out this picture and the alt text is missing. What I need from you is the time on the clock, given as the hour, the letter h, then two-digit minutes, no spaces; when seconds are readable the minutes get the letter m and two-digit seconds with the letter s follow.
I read 9h12
